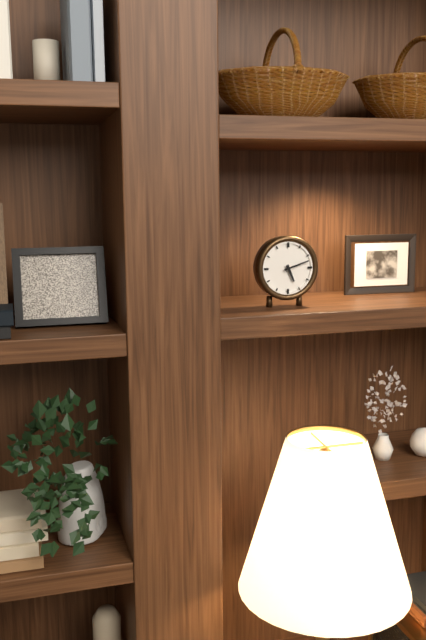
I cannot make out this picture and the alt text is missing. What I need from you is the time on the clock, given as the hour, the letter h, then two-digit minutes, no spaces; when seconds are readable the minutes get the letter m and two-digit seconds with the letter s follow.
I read 5h12
